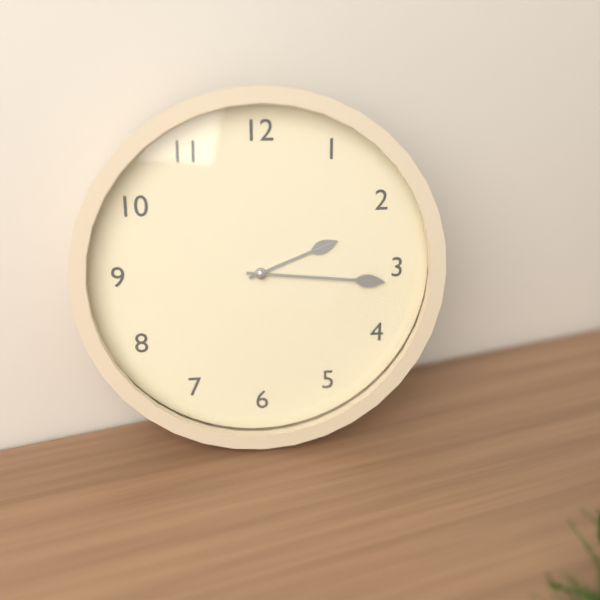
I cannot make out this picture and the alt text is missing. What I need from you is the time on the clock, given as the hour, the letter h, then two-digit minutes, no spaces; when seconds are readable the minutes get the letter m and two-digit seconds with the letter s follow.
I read 2h16
